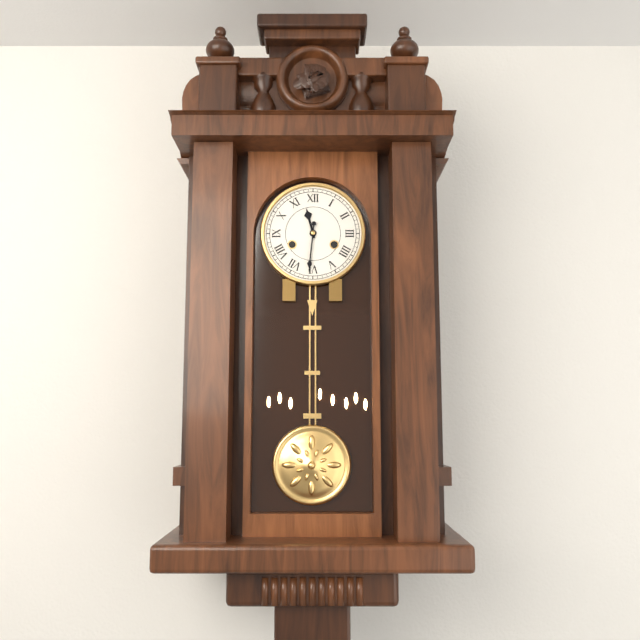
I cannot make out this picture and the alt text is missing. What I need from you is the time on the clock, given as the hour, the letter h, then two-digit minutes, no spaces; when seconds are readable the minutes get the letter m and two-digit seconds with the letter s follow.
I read 11h31
